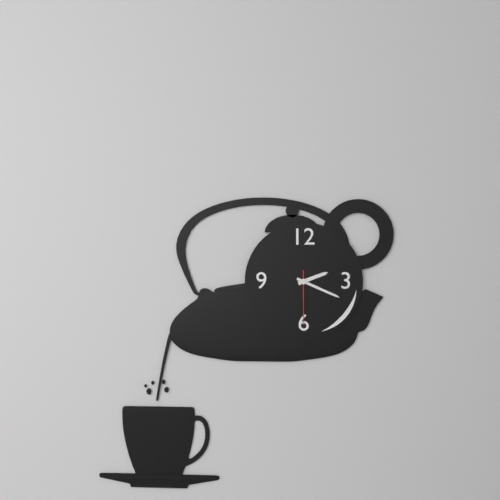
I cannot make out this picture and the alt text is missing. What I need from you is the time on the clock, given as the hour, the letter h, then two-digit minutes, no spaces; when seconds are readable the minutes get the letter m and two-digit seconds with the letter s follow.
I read 2h19m30s
